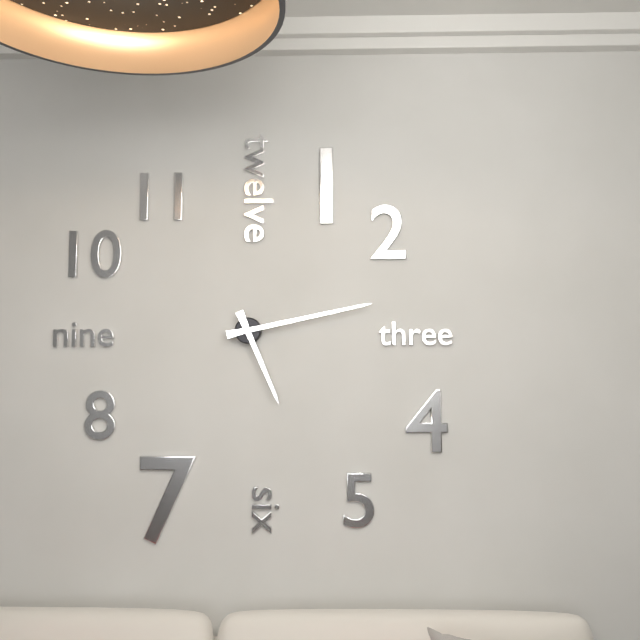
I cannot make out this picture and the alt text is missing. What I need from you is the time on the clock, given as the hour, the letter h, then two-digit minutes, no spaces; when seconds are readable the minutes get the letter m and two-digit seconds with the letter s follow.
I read 5h13
